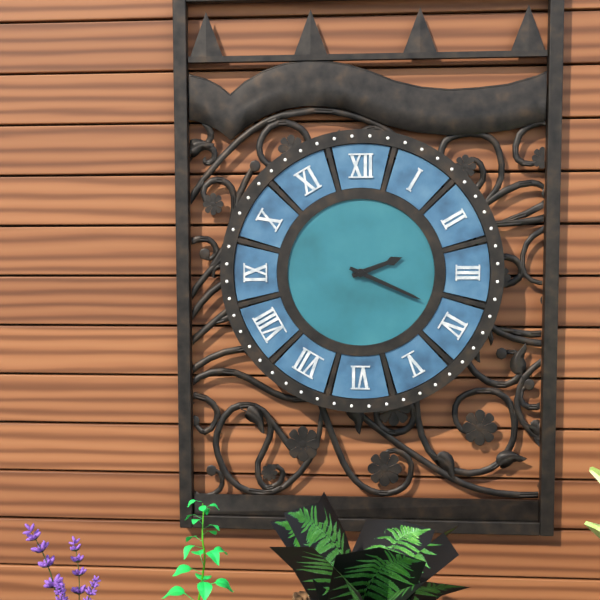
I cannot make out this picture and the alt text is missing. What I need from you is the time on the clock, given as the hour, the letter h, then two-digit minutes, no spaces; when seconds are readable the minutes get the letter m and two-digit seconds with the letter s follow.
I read 2h19
